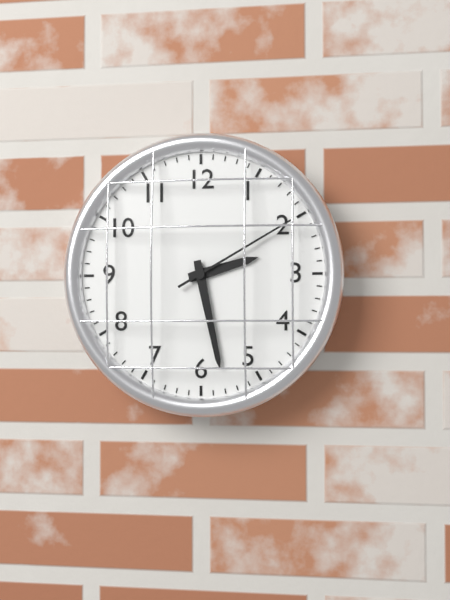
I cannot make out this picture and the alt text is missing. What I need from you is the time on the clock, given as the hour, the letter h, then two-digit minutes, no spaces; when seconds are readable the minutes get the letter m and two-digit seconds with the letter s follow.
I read 2h28m10s
